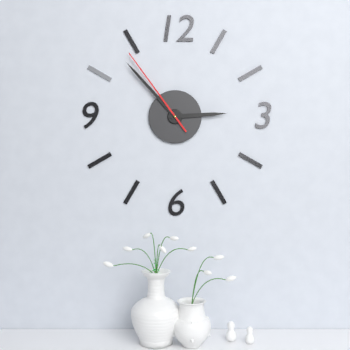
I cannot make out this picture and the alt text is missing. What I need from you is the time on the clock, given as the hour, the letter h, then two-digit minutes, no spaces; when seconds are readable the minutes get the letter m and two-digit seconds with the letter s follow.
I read 2h53m54s
